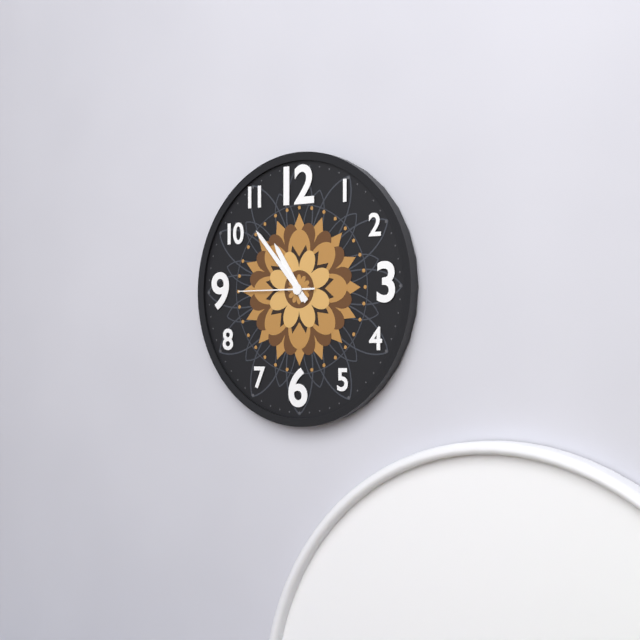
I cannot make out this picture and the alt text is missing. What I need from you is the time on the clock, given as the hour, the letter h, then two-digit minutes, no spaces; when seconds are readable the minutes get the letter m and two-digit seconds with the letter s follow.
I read 10h53m45s
